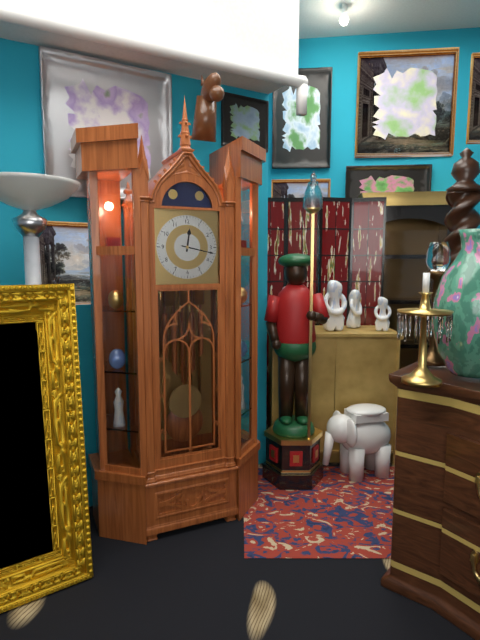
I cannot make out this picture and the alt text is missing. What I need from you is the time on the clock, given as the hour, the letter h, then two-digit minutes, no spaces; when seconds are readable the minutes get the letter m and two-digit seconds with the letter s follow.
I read 12h17
